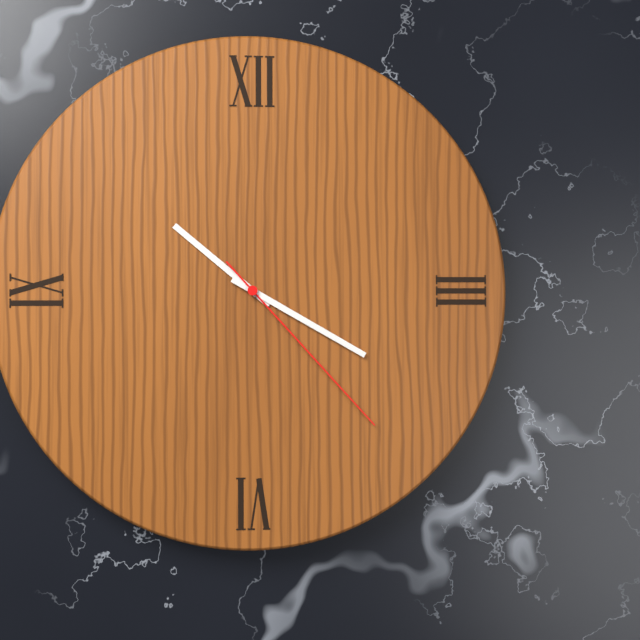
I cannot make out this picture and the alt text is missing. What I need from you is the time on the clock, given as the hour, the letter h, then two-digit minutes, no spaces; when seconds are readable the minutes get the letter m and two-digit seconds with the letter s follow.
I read 10h20m23s
